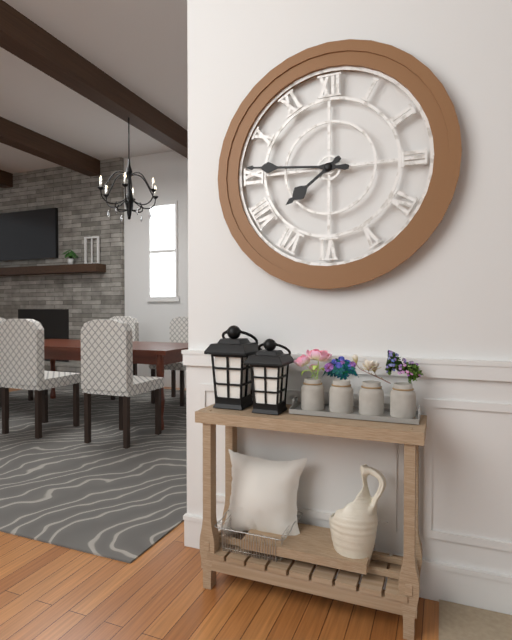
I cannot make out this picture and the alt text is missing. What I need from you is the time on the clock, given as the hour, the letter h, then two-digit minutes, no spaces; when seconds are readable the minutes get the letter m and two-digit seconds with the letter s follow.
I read 7h46
